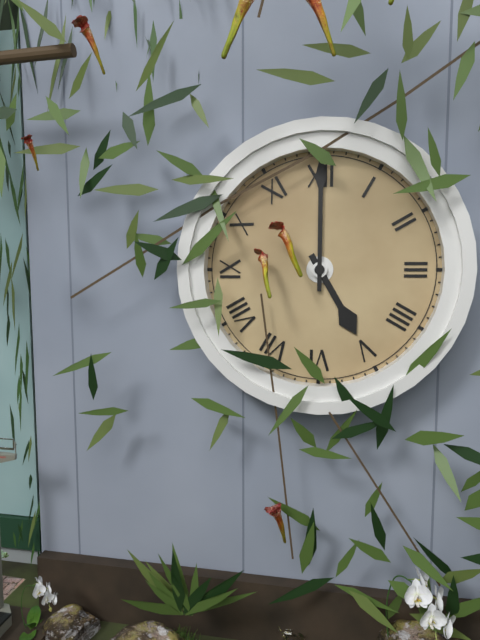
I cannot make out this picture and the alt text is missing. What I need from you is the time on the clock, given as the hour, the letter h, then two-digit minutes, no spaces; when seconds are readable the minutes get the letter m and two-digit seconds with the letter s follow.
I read 5h00
